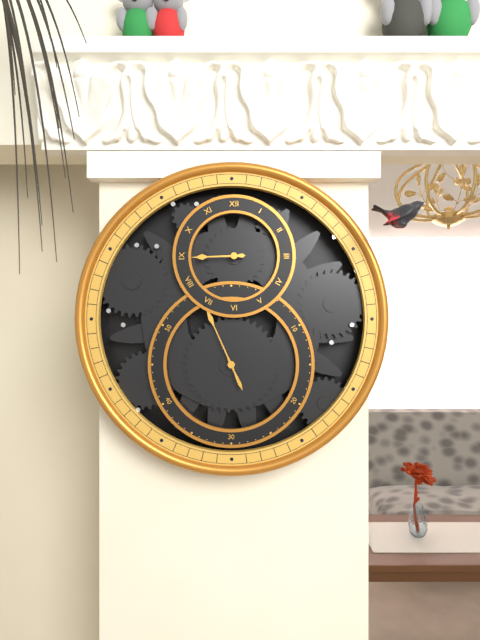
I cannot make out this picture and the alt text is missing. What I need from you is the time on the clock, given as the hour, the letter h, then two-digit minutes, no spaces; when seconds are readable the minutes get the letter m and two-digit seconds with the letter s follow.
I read 8h56
